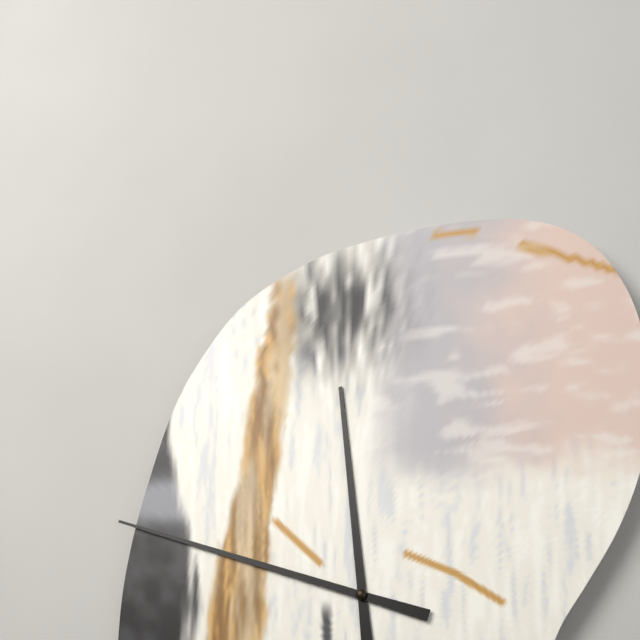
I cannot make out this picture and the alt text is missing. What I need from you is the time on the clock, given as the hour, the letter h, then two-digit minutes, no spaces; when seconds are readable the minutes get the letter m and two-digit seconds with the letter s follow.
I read 11h48
